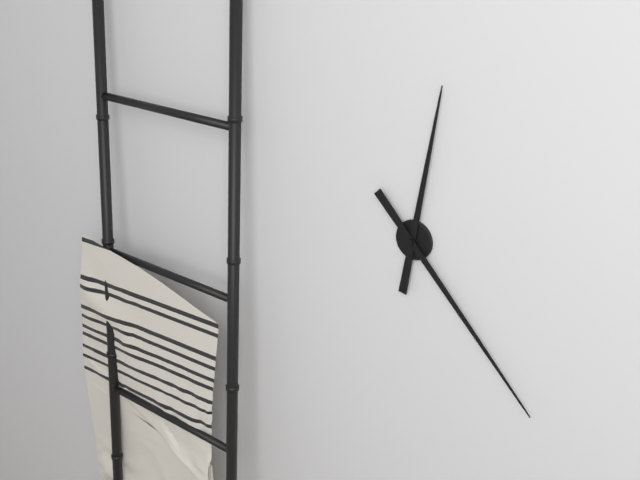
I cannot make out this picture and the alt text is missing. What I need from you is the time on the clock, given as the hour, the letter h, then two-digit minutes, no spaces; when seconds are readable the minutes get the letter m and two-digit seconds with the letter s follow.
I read 12h23
